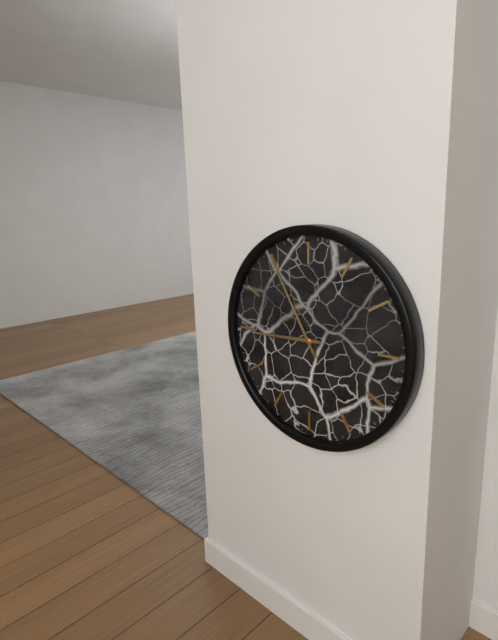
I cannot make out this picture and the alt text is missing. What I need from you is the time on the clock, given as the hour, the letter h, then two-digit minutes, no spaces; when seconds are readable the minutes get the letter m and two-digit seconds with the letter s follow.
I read 8h55
